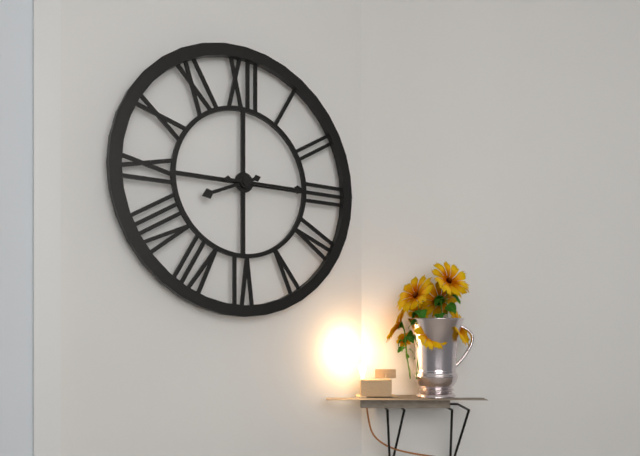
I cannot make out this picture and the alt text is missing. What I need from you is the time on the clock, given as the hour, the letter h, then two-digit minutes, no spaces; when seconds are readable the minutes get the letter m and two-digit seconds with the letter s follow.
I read 8h15
